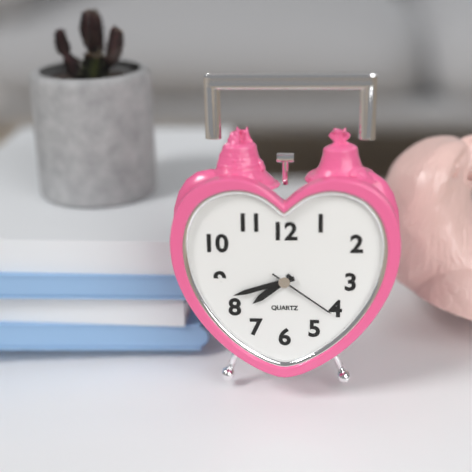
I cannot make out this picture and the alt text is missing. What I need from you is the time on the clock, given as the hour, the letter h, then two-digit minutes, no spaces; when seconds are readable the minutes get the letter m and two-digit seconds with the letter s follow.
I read 7h42m21s
